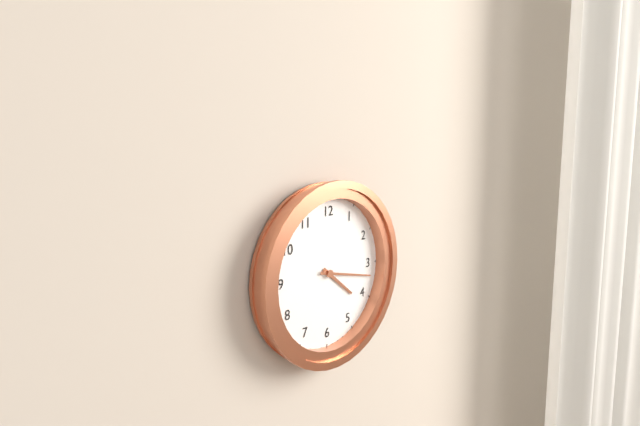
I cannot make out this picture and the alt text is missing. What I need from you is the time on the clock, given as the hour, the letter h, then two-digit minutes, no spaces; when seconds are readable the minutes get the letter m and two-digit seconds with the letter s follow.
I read 4h17
